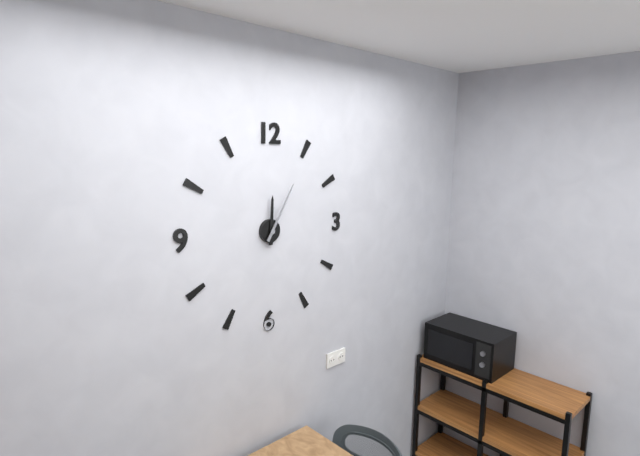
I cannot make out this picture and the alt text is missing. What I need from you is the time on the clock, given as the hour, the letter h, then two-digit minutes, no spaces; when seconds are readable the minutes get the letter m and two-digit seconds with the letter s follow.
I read 12h05
